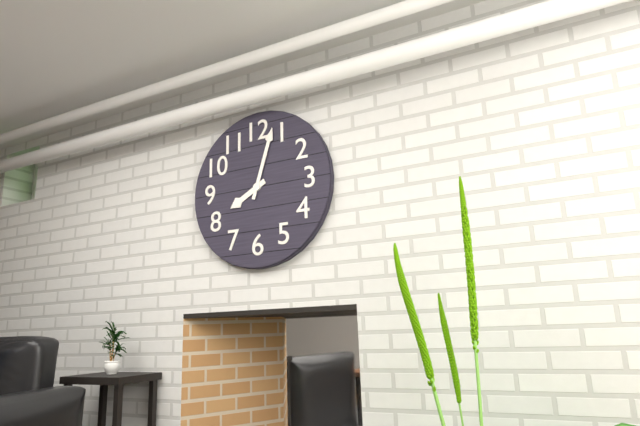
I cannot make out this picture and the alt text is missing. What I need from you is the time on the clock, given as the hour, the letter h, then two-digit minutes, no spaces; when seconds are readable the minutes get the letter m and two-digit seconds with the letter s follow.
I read 8h03
